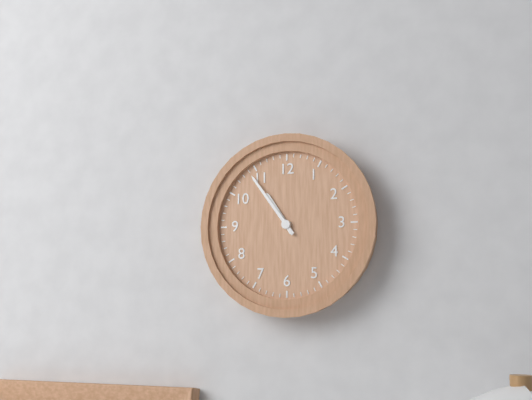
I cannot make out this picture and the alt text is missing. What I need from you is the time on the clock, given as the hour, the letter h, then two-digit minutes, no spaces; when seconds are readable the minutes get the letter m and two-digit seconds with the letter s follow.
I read 10h54
